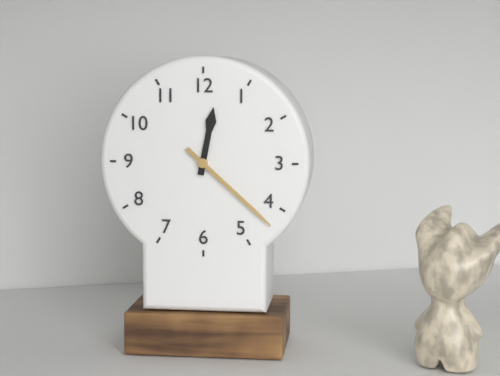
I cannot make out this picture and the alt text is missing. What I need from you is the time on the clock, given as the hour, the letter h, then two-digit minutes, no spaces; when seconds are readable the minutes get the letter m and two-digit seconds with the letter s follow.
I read 12h22
